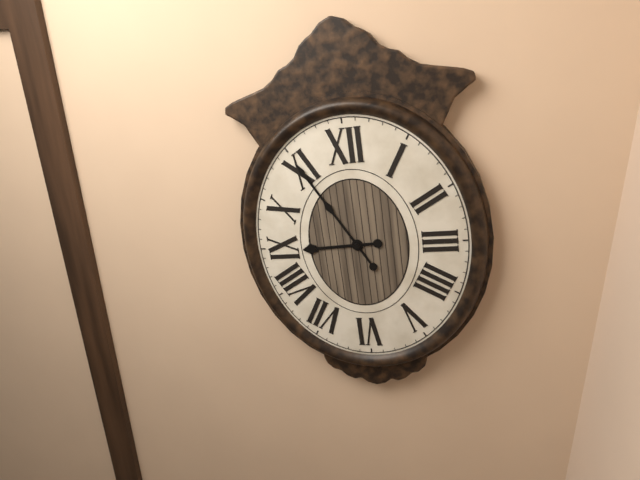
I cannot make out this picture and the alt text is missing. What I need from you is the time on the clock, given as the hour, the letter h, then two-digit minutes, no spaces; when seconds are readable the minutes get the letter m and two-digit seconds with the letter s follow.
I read 8h55
